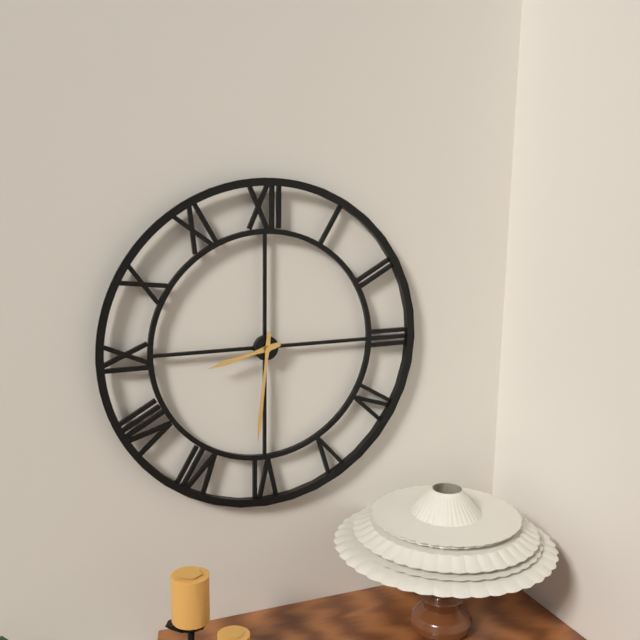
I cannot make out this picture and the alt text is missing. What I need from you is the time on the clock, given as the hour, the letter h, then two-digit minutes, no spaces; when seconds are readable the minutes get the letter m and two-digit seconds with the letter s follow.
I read 8h31
